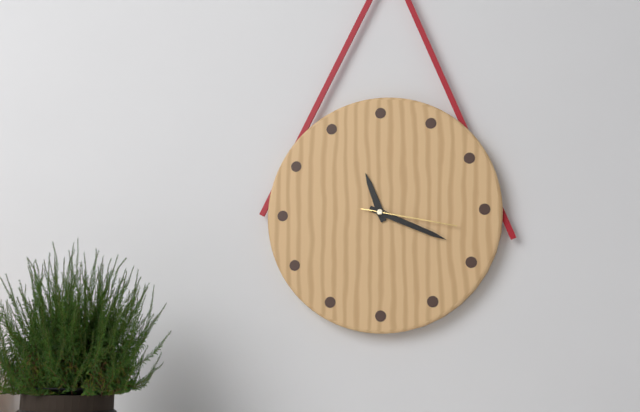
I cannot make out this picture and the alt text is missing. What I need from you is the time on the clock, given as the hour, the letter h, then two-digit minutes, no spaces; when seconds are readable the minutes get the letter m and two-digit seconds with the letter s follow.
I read 11h19m17s
